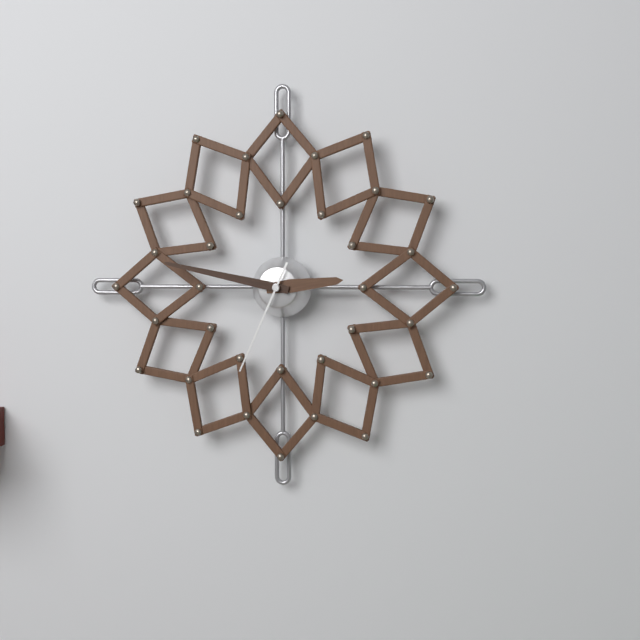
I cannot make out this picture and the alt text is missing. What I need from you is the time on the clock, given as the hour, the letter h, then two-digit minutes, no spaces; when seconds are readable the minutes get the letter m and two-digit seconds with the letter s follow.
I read 2h47m34s
